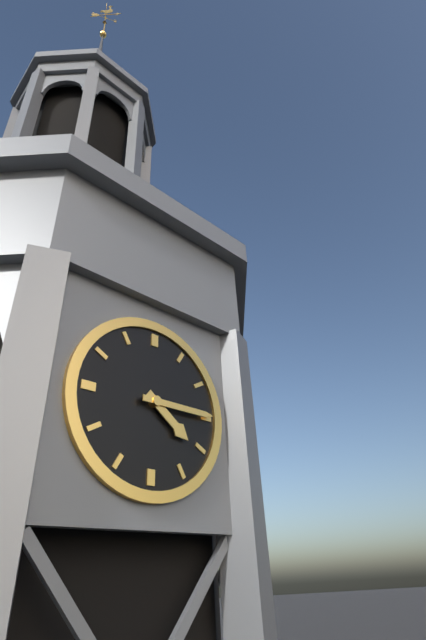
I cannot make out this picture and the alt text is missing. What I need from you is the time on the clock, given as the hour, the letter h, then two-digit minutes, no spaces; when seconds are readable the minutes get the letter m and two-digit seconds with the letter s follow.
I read 4h15
